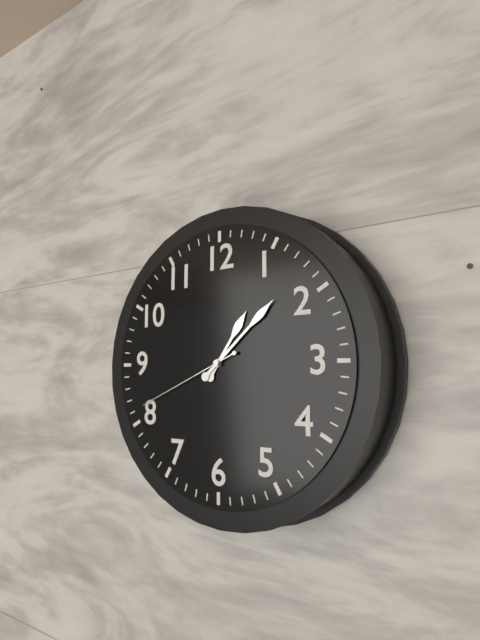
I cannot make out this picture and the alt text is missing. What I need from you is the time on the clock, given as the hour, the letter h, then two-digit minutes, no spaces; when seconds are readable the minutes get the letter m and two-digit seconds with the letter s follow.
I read 1h08m41s
